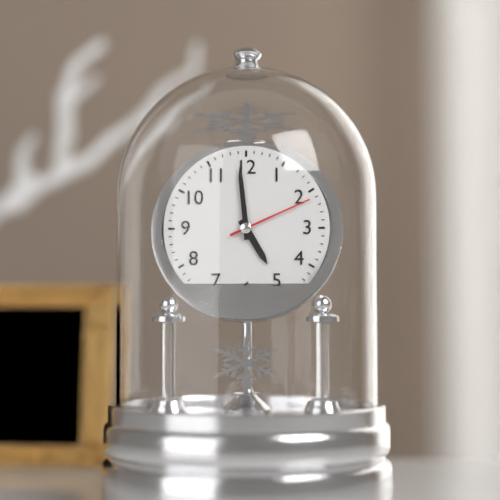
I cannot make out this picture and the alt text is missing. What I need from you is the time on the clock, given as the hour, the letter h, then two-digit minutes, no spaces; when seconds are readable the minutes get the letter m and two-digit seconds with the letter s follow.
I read 4h59m11s
